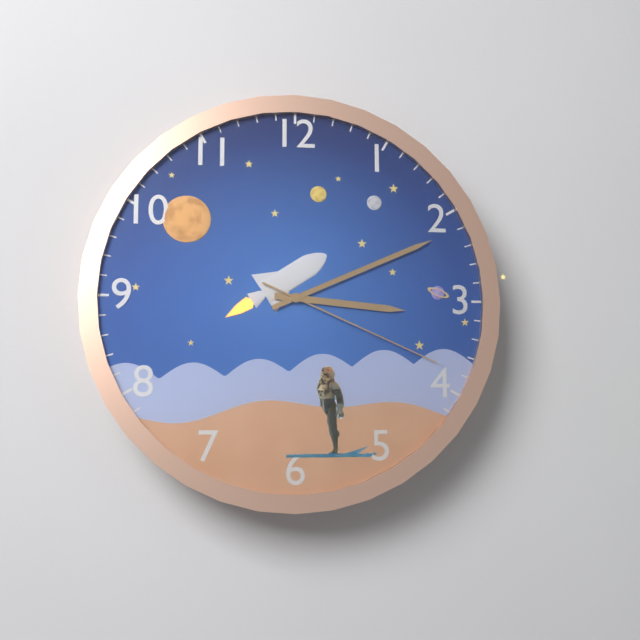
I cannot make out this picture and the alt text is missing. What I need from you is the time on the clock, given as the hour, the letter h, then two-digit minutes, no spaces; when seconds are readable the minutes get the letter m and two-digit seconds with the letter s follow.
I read 3h11m19s
